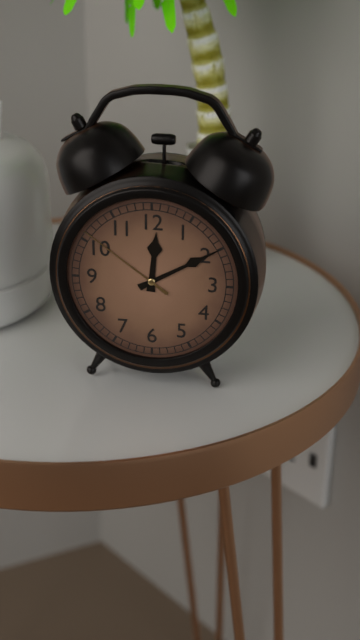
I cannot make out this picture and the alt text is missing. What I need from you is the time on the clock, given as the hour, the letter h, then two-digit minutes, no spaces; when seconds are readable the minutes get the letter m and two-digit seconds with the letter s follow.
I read 12h10m51s
